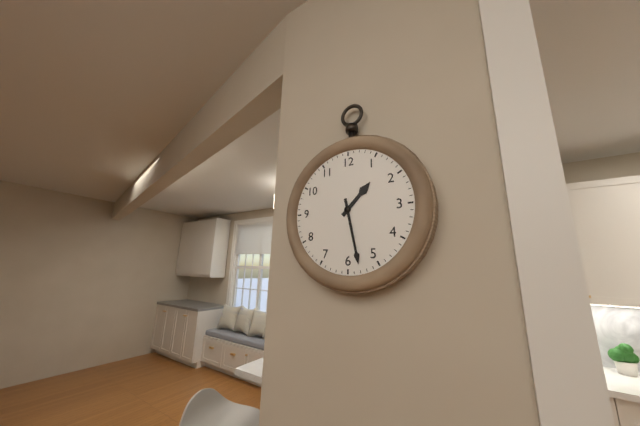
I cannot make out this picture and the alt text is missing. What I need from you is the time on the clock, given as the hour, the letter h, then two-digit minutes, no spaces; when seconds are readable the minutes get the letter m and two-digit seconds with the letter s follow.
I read 1h28
